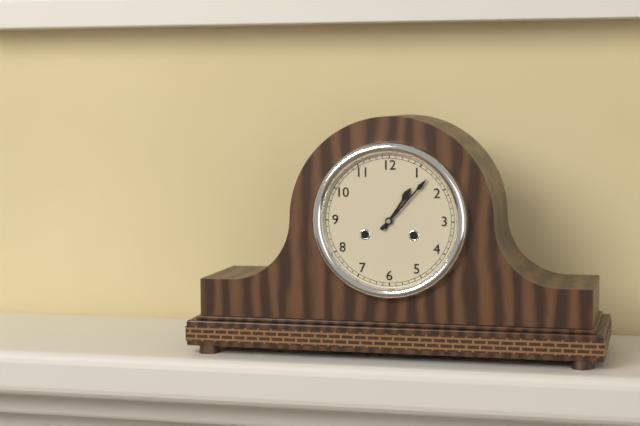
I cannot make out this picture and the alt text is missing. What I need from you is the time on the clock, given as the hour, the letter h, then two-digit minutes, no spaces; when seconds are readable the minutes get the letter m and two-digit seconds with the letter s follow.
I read 1h07
